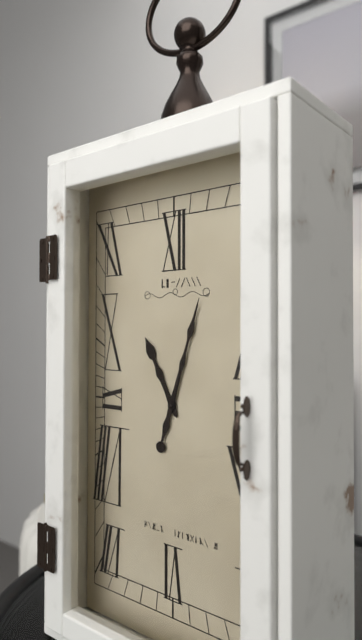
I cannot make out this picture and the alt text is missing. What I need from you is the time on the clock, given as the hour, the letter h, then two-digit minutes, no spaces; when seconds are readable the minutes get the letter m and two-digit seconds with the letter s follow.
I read 11h03
